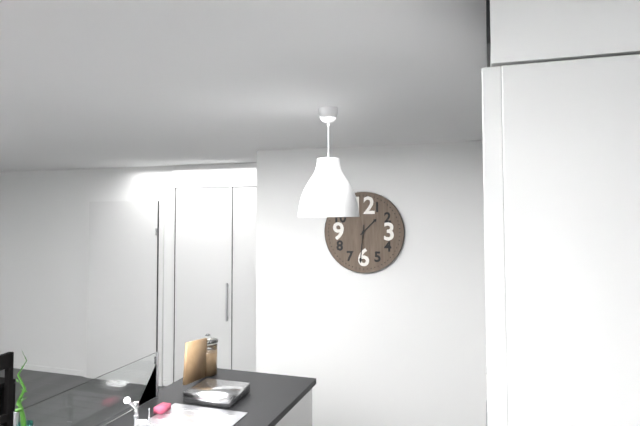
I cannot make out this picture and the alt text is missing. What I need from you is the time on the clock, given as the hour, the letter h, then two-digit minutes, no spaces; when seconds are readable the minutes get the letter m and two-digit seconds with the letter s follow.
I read 1h31
